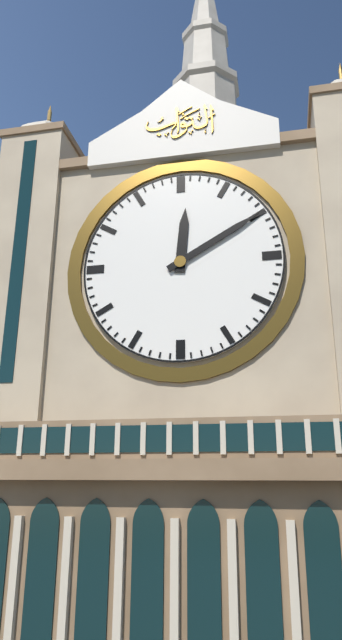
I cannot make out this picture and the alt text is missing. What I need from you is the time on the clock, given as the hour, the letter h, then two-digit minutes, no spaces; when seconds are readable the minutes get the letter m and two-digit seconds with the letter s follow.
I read 12h10
